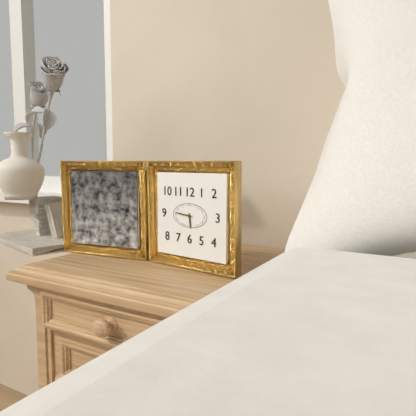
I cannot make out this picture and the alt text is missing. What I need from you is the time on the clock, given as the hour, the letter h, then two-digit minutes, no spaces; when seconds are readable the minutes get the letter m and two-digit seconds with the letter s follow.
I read 5h46
